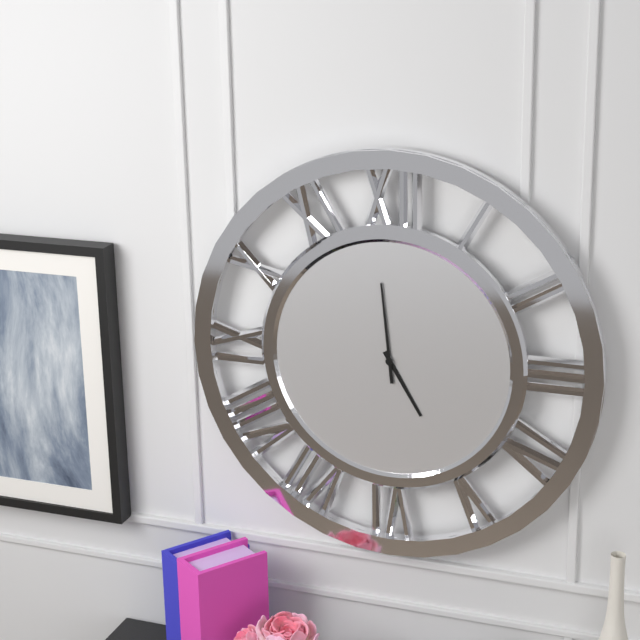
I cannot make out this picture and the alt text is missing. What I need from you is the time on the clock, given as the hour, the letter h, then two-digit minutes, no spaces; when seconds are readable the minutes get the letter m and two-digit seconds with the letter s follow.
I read 4h59
